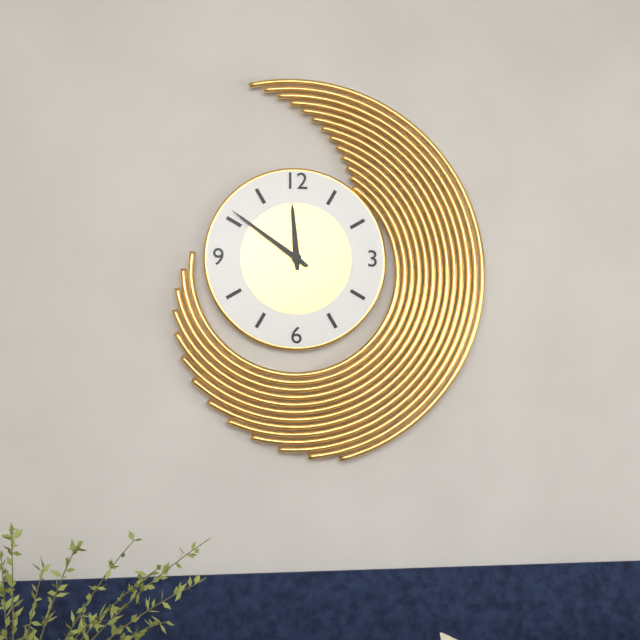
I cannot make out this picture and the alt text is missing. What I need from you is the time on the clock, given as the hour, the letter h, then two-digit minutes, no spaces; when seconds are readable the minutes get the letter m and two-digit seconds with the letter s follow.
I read 11h51
